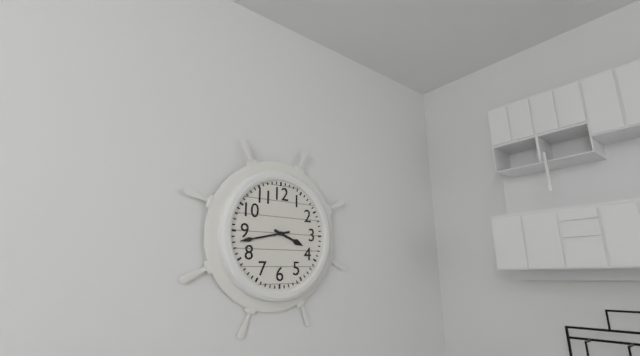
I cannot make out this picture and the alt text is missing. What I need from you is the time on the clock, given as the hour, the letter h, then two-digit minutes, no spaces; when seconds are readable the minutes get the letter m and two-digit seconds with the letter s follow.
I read 3h43
